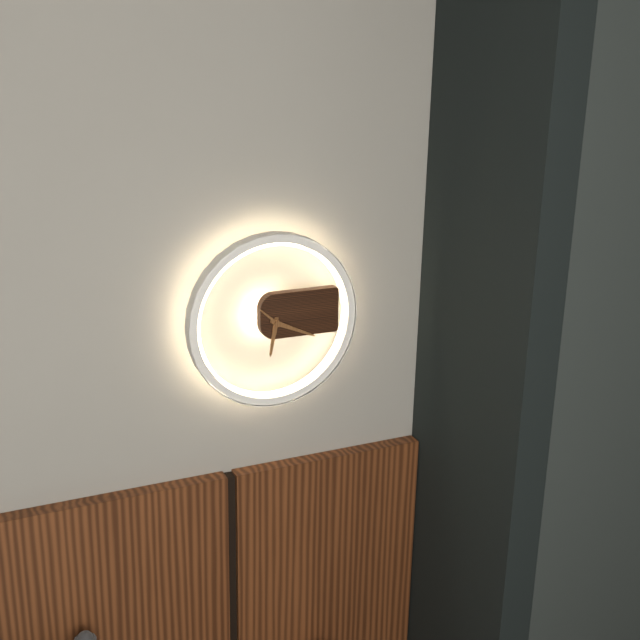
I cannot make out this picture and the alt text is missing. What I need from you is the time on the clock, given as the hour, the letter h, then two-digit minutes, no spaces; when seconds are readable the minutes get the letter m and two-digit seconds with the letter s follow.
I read 6h19
